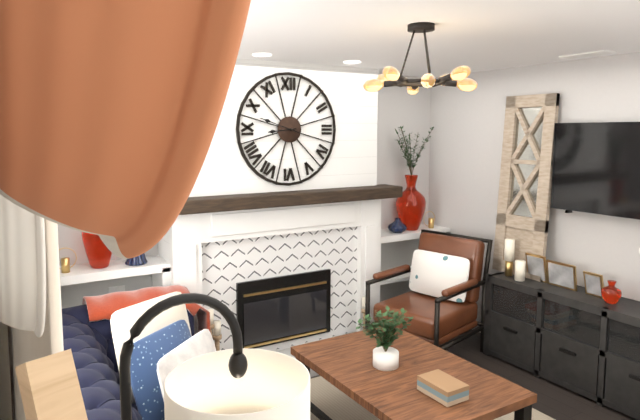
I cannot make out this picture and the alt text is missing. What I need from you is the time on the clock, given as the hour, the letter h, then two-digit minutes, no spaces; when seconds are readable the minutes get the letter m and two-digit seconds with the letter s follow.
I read 8h48
